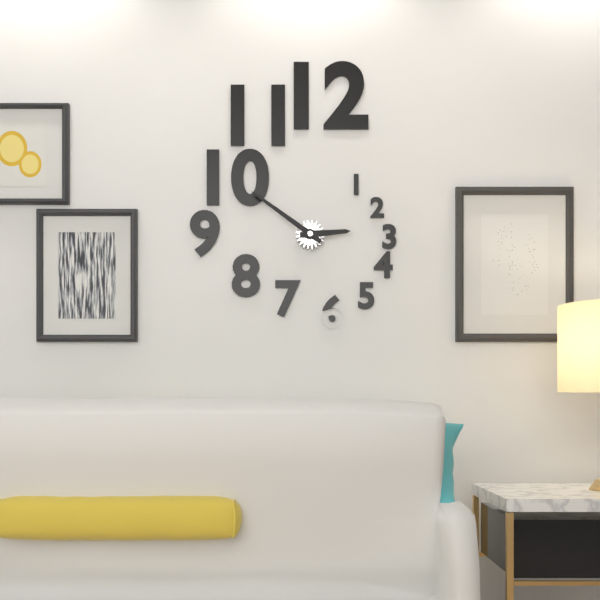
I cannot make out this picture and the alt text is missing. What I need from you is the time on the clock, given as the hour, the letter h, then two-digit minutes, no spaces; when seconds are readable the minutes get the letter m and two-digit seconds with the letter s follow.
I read 2h51
